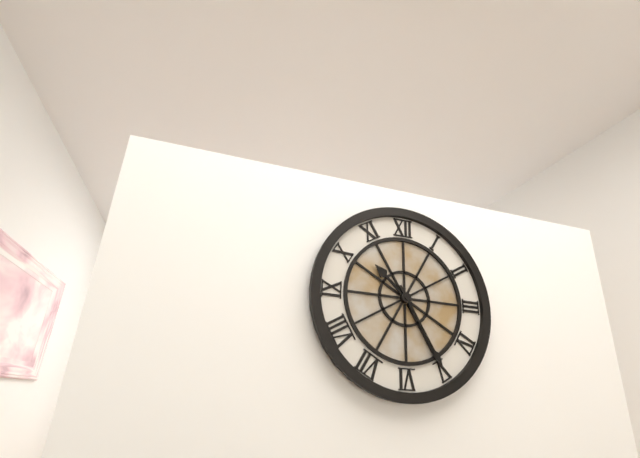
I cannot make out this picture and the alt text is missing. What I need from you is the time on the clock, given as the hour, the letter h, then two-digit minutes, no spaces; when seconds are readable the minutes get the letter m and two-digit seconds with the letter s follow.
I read 10h25
